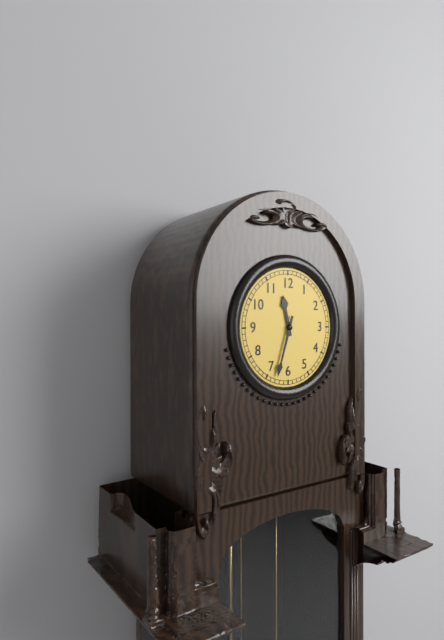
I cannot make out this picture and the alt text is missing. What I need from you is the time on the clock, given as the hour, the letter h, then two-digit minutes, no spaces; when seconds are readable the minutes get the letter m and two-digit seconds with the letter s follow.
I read 11h33
